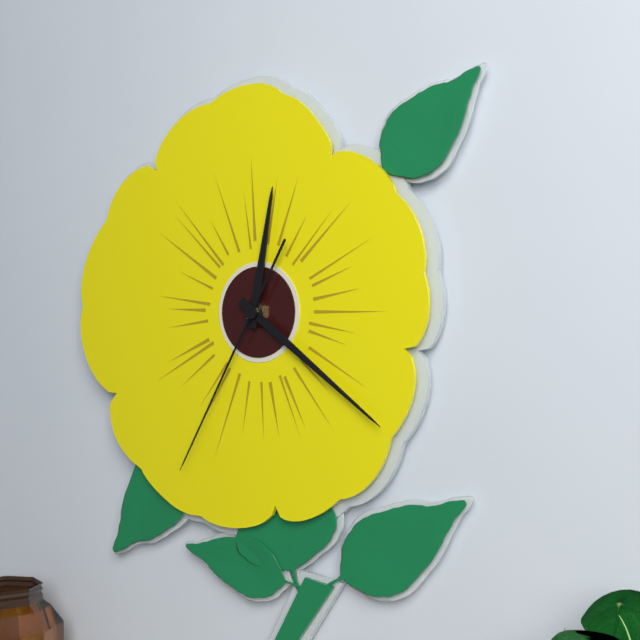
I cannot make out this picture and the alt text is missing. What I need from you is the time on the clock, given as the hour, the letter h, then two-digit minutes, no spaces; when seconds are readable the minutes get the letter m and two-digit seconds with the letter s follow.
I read 12h21m35s
